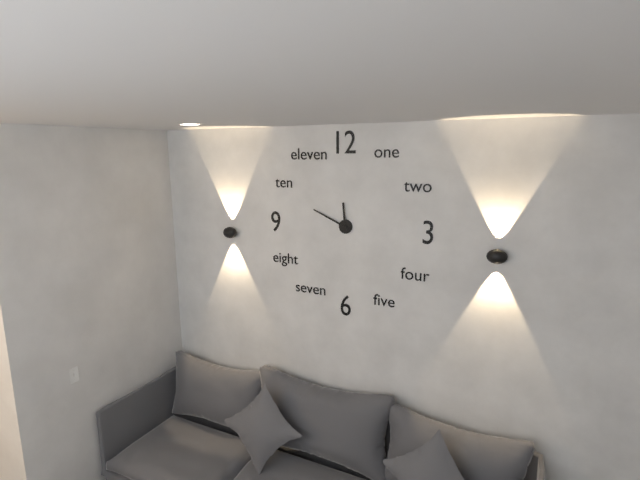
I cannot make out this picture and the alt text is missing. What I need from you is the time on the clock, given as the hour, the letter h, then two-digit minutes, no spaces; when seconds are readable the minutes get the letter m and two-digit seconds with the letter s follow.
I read 11h49
